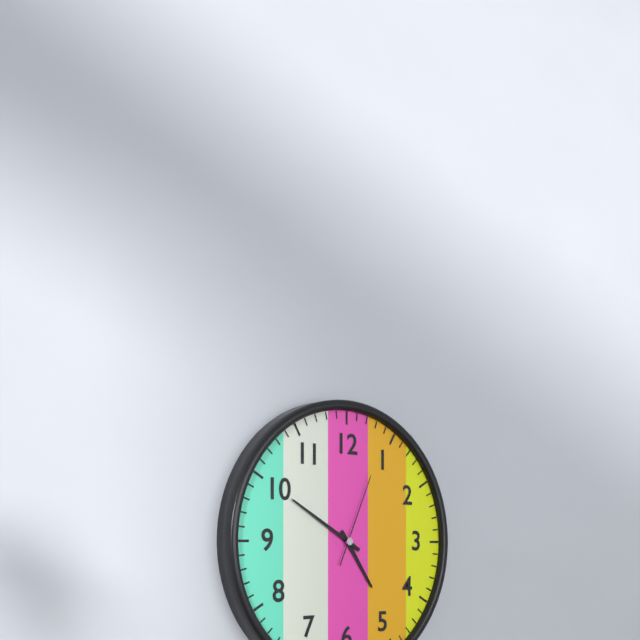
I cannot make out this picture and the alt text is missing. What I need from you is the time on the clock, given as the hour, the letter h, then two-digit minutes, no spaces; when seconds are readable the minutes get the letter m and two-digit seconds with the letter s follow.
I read 4h50m04s
